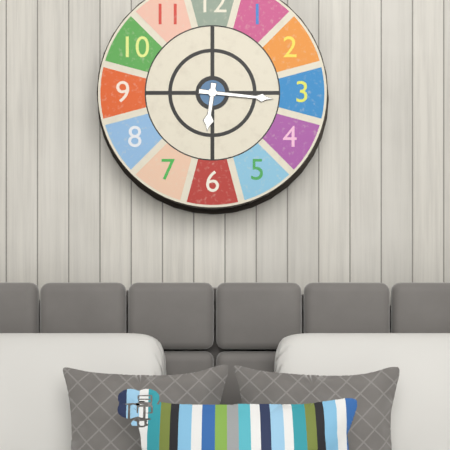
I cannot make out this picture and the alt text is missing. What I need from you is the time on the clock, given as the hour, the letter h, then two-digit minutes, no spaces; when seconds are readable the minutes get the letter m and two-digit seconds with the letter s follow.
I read 6h16
